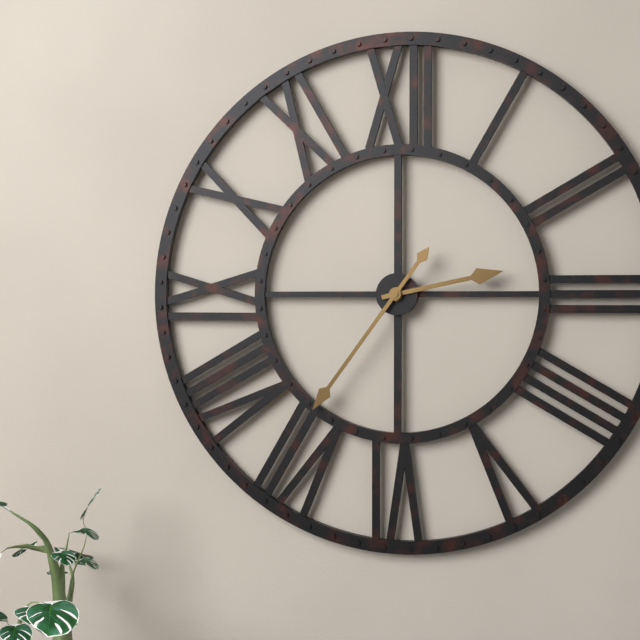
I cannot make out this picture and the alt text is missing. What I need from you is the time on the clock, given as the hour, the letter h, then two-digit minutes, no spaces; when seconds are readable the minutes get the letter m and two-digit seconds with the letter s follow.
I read 2h36
